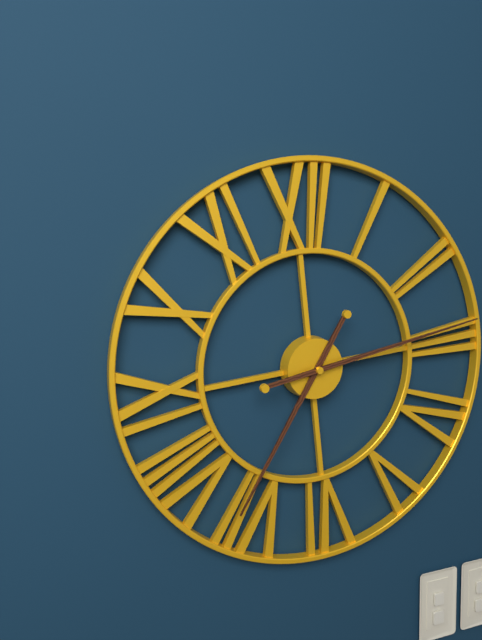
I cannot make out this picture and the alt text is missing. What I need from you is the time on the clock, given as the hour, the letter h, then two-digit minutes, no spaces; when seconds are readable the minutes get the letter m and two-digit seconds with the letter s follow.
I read 7h14
